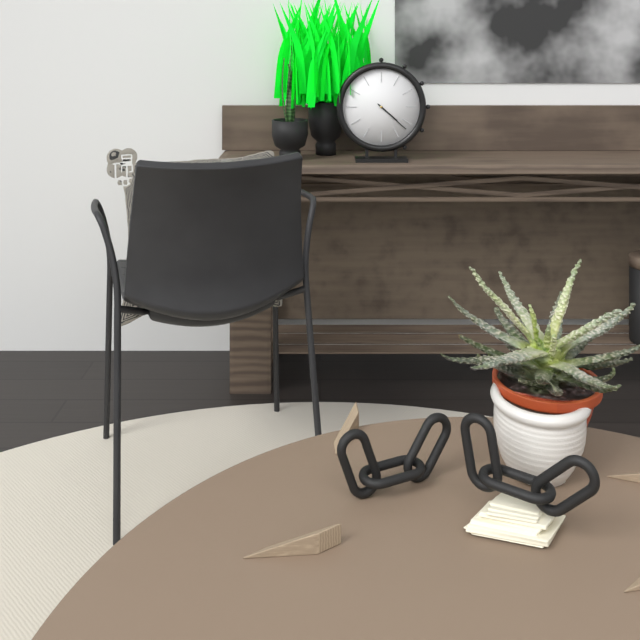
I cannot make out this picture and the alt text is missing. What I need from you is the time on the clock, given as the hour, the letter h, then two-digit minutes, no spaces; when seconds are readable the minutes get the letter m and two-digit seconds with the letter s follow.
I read 4h22
